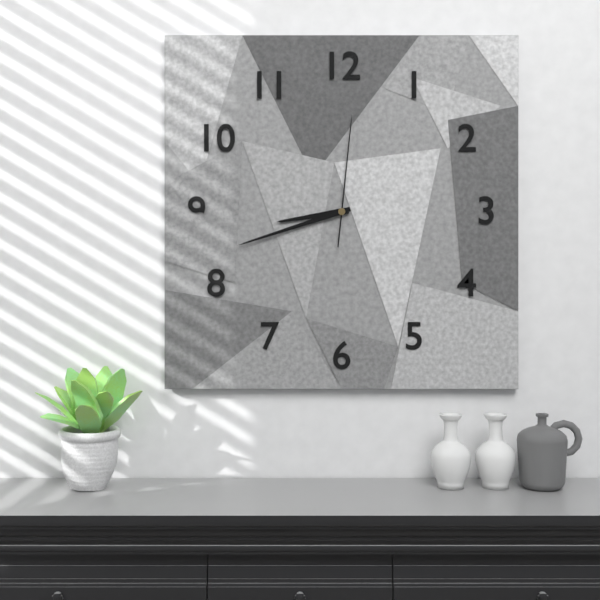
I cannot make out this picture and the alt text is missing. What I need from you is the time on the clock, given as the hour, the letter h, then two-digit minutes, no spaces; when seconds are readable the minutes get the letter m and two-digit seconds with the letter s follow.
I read 8h42m01s
